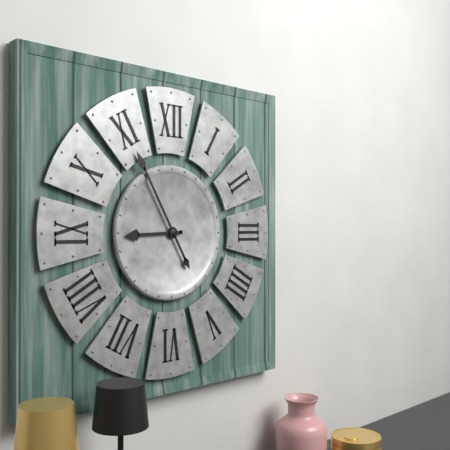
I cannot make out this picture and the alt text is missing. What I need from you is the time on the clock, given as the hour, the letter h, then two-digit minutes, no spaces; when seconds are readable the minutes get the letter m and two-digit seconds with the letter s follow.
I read 8h55
